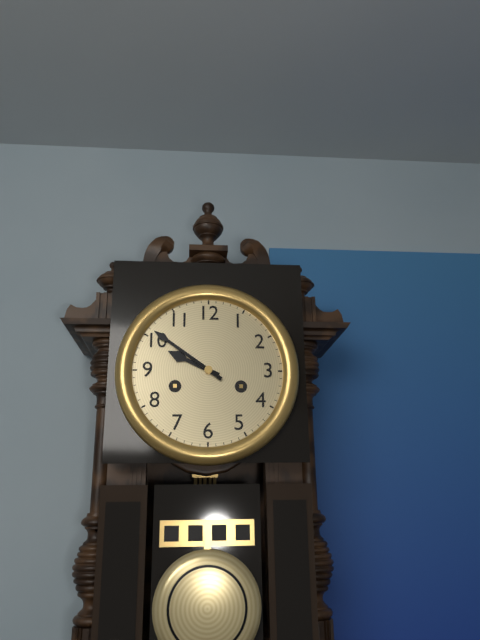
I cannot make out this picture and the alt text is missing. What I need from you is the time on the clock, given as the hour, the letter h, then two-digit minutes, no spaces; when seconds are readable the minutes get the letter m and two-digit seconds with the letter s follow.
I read 9h51
